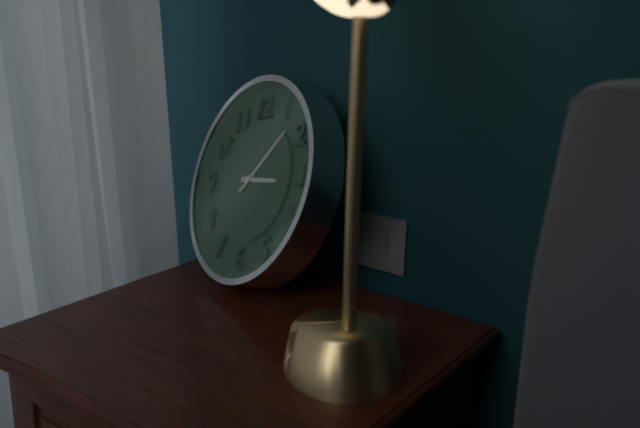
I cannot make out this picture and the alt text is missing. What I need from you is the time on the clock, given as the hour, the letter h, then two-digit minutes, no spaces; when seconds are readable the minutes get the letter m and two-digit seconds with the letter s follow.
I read 3h08
